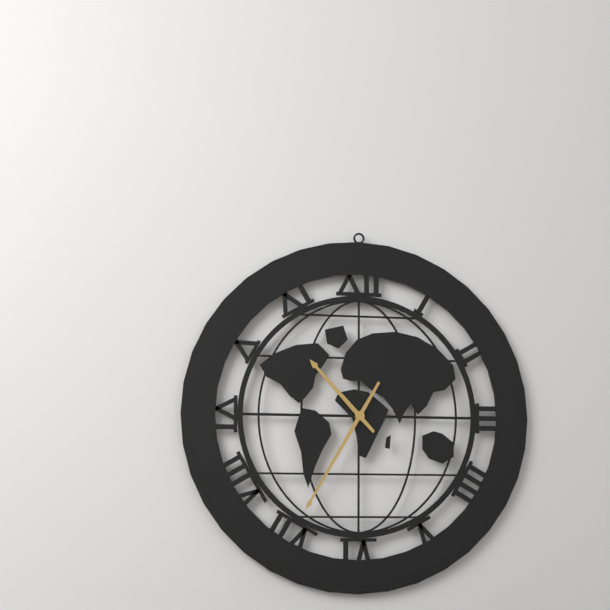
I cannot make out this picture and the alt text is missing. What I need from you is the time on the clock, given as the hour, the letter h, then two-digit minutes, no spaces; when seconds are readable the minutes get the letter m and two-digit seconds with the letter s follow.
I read 10h35
